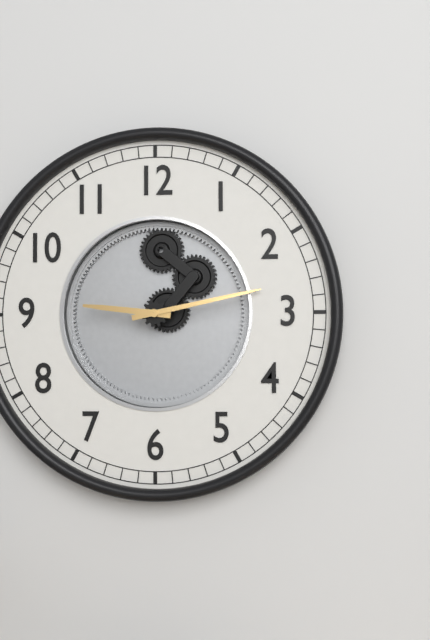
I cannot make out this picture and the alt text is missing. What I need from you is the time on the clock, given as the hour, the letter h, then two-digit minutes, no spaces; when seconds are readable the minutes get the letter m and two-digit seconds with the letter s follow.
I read 9h13
